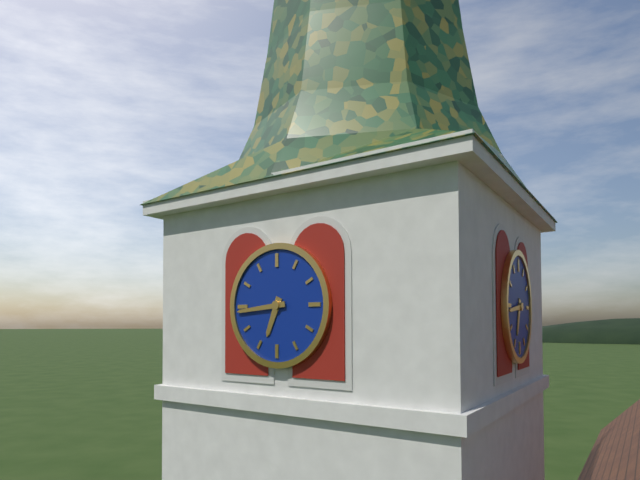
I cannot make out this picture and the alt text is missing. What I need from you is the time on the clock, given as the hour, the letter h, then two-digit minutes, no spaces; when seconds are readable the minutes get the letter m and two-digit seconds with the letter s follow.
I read 6h44
